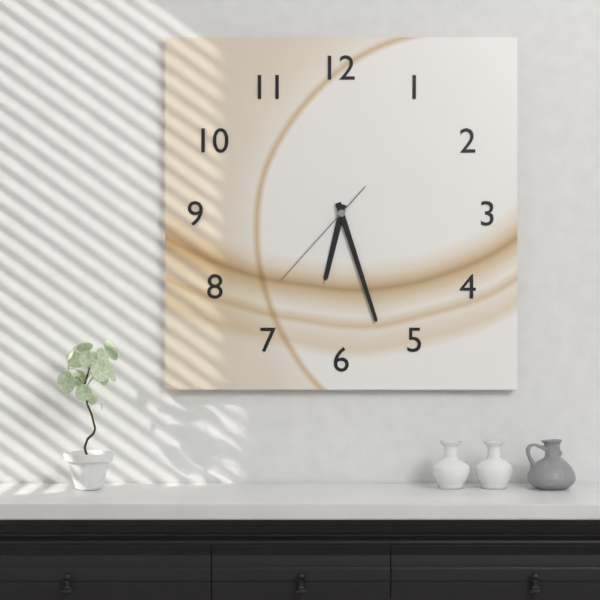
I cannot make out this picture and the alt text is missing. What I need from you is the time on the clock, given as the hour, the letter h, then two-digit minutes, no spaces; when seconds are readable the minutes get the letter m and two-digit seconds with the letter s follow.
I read 6h27m37s
